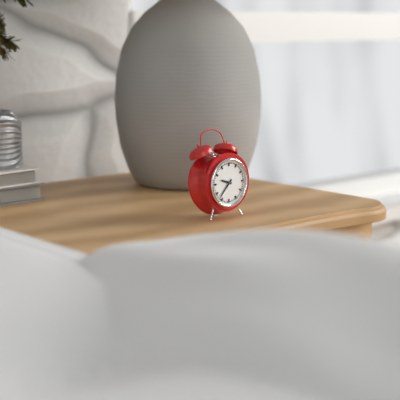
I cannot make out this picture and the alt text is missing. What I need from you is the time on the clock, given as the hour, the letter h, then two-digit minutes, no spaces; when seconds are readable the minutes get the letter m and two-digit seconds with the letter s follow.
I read 9h37
